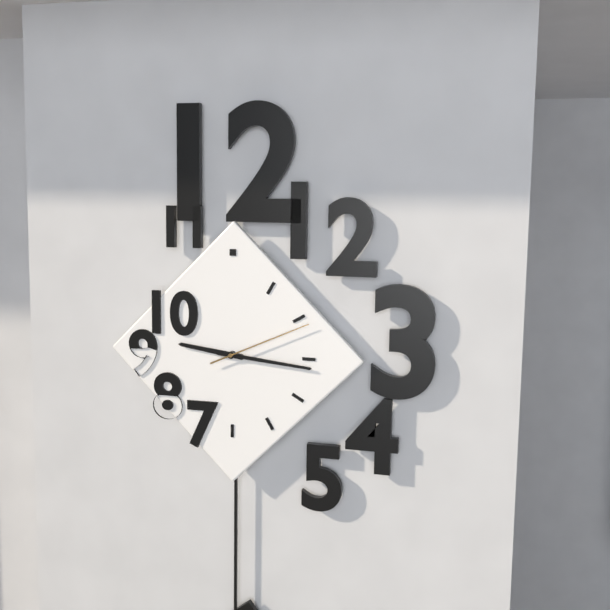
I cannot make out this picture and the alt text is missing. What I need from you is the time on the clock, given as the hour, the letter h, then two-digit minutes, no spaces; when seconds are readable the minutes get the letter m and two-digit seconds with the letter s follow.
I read 9h16m11s
